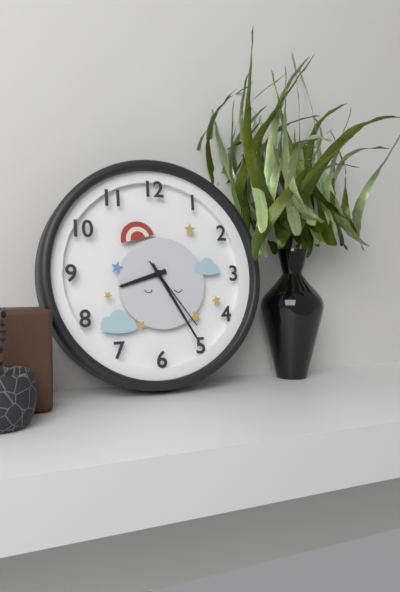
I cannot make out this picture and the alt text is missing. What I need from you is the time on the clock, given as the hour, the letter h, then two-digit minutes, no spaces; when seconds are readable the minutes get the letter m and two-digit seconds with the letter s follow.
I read 8h25m24s
